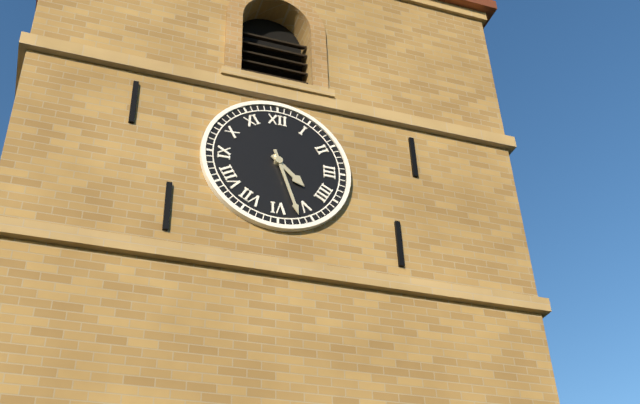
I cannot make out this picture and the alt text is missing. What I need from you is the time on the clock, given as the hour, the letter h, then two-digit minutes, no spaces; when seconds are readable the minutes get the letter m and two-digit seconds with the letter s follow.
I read 4h27
